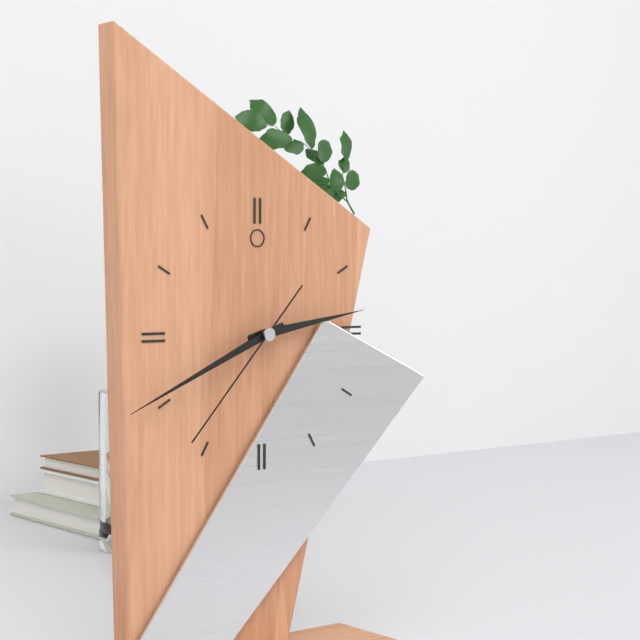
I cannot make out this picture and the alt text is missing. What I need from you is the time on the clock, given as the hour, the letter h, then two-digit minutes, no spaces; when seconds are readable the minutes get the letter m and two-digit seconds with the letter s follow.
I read 2h41m37s
